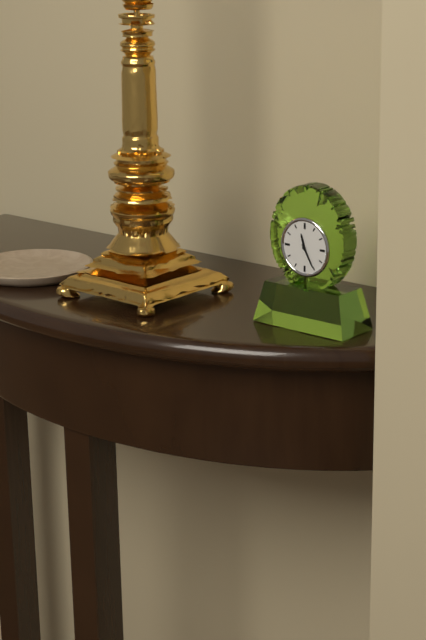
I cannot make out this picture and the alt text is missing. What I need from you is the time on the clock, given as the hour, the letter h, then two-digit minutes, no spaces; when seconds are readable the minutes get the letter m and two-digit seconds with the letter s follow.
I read 11h25
